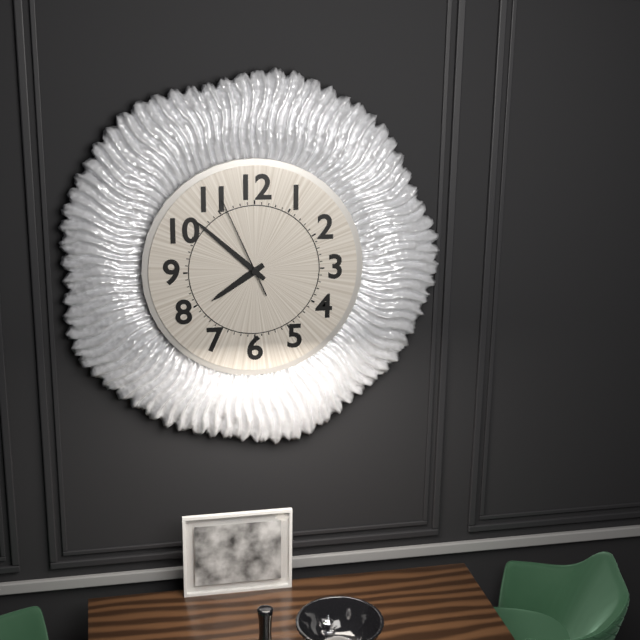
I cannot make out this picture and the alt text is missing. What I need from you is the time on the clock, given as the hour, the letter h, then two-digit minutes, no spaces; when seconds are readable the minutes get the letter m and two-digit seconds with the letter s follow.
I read 7h52m56s
